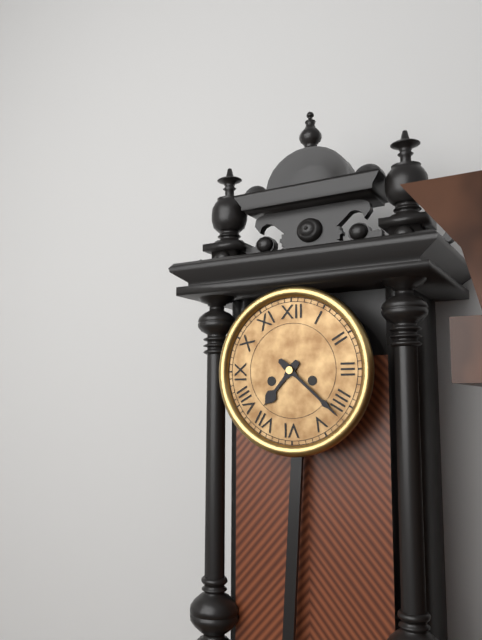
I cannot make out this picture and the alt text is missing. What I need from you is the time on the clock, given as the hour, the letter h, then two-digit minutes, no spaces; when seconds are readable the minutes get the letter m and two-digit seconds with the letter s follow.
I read 7h22
